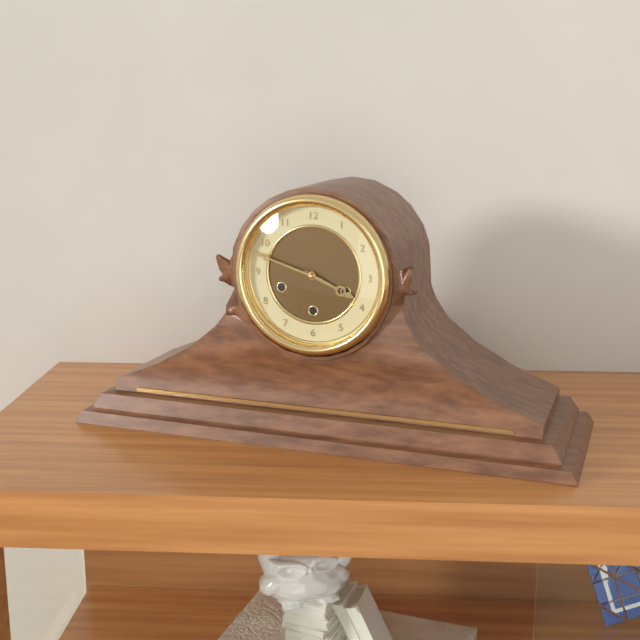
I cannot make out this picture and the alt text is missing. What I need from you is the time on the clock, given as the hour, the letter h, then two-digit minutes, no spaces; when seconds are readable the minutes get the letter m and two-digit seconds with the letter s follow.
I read 3h48
